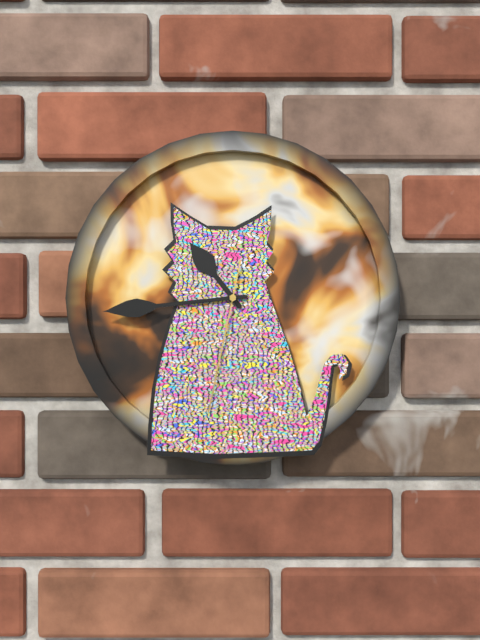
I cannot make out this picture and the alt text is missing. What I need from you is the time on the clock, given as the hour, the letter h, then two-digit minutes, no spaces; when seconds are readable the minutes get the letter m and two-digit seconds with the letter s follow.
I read 10h44m32s
